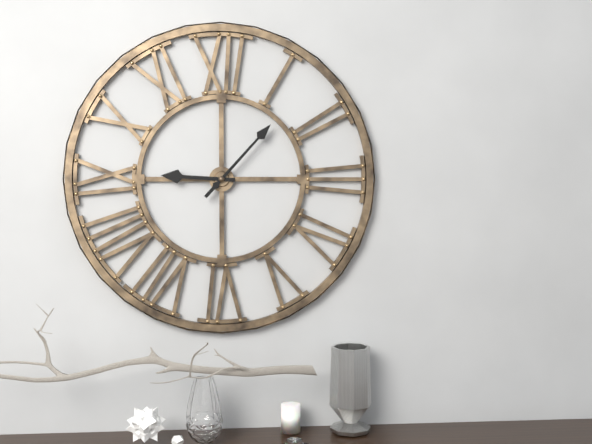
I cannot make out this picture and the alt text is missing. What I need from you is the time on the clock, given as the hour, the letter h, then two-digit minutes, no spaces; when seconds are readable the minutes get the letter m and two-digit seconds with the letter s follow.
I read 9h07
